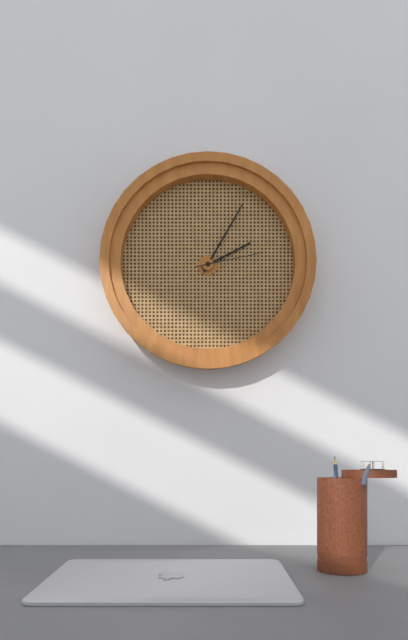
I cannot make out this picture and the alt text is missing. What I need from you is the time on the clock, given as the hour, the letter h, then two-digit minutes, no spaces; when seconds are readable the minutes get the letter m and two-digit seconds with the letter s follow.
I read 2h05m13s
